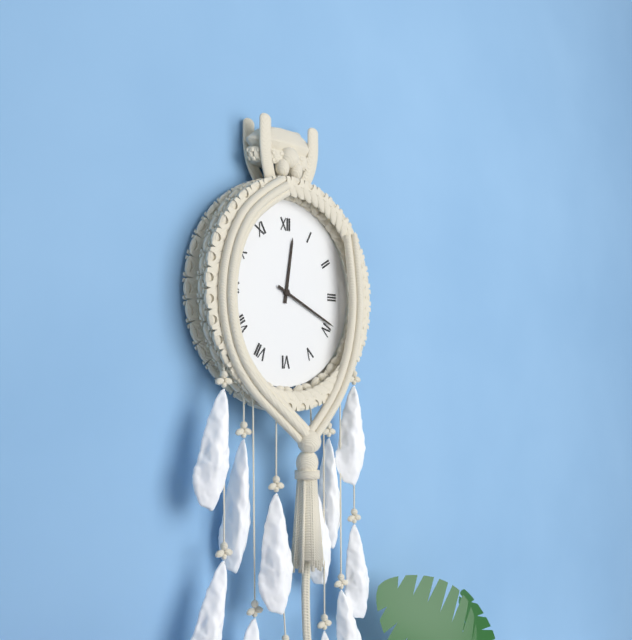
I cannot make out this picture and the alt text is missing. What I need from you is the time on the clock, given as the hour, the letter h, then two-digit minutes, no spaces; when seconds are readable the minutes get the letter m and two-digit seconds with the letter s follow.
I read 12h19
